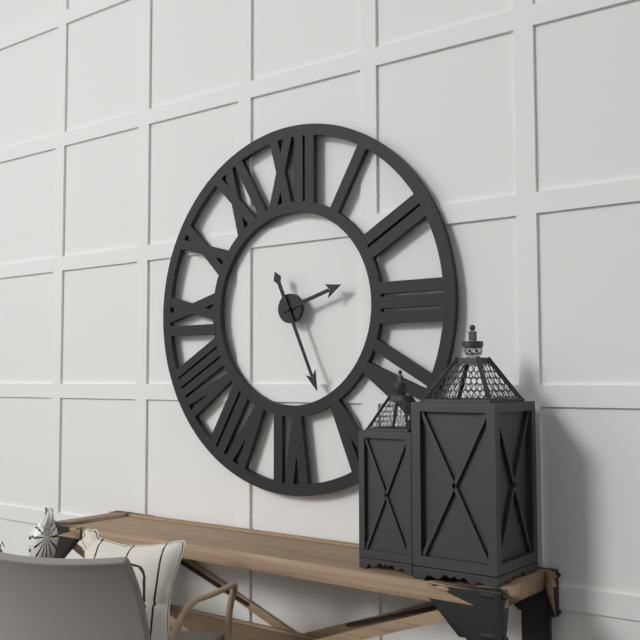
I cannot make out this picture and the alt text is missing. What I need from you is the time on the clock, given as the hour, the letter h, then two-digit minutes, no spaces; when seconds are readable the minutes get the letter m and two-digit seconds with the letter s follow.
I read 2h26
